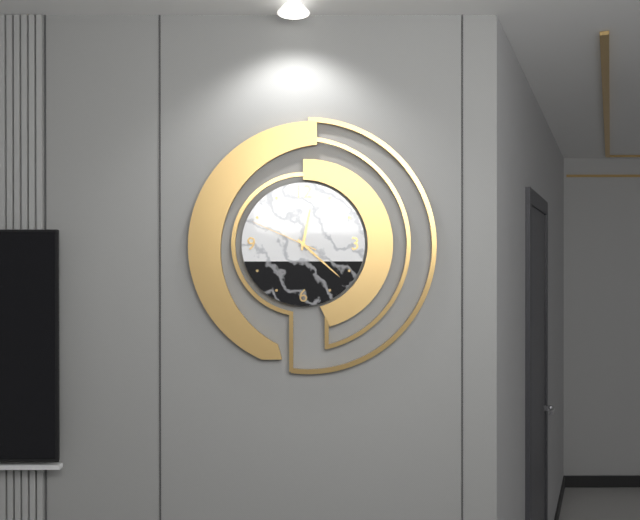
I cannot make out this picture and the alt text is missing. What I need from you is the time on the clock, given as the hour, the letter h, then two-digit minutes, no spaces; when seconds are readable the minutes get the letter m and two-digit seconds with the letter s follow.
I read 12h22m49s
